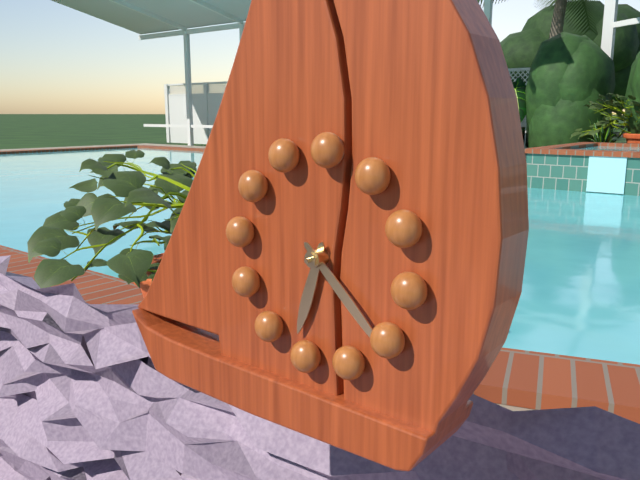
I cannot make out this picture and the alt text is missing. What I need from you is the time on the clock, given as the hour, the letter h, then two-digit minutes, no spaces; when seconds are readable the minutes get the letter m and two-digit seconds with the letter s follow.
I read 6h21
